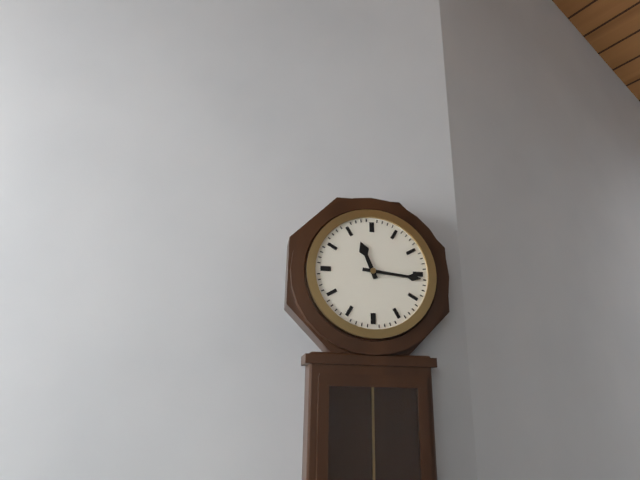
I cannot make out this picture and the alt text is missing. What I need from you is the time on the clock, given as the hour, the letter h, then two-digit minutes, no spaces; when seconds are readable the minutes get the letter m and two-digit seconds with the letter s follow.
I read 11h16
